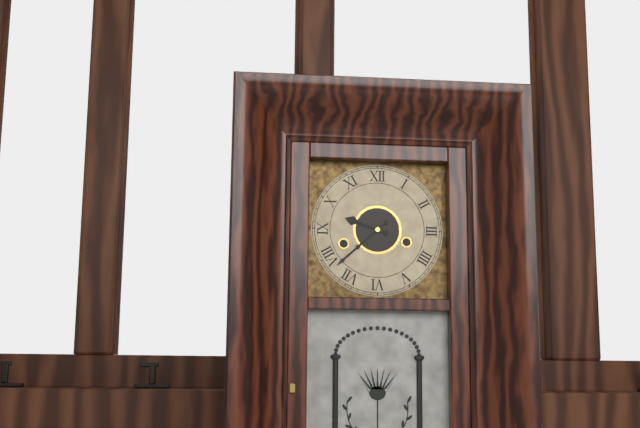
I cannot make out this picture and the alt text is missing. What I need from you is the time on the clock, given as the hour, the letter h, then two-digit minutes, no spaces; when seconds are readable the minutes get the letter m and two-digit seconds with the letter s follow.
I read 9h38
